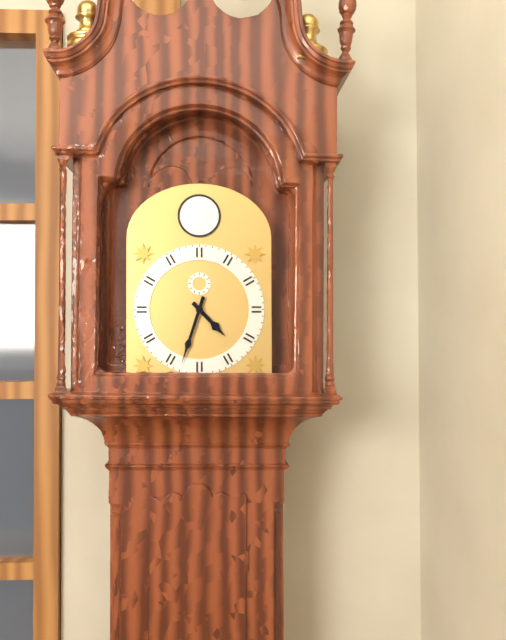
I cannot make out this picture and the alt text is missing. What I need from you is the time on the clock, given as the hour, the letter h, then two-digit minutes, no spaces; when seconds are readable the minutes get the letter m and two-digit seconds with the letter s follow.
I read 4h33
